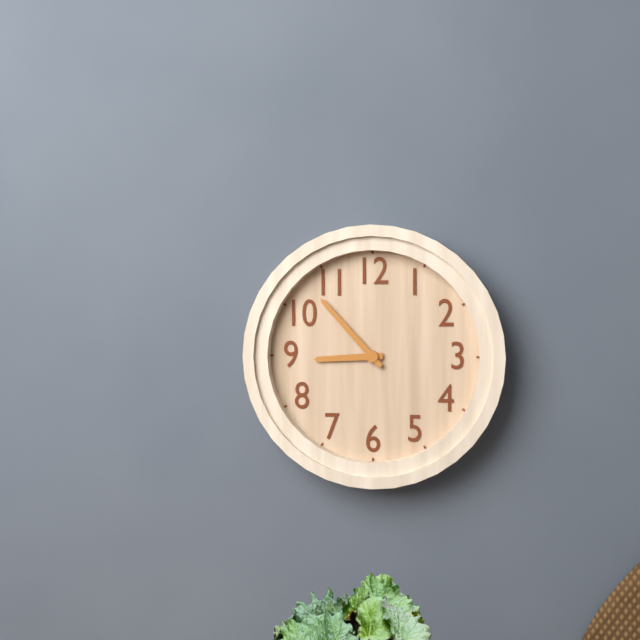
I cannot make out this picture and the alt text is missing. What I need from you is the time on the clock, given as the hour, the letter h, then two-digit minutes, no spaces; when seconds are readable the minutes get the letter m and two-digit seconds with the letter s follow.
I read 8h53
